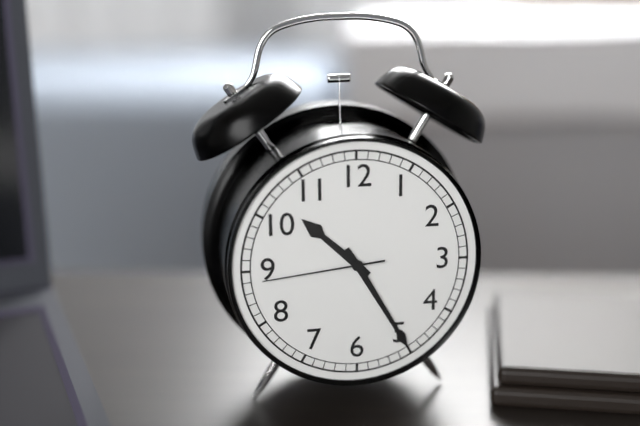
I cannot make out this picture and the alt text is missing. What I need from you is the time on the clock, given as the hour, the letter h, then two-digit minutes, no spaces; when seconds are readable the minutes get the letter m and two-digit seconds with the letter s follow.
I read 10h25m44s
